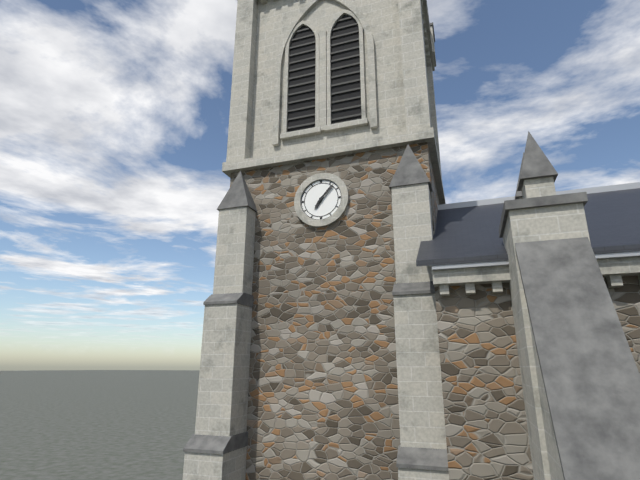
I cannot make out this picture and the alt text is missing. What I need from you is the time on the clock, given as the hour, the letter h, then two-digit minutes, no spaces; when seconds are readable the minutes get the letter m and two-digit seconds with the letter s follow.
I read 7h07
